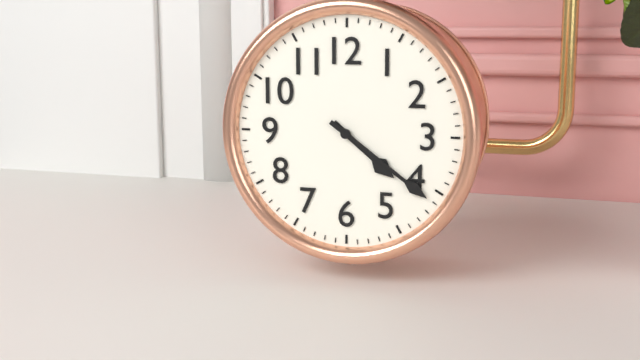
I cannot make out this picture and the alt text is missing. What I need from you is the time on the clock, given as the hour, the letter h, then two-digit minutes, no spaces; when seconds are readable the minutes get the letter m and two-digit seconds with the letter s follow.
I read 4h21
